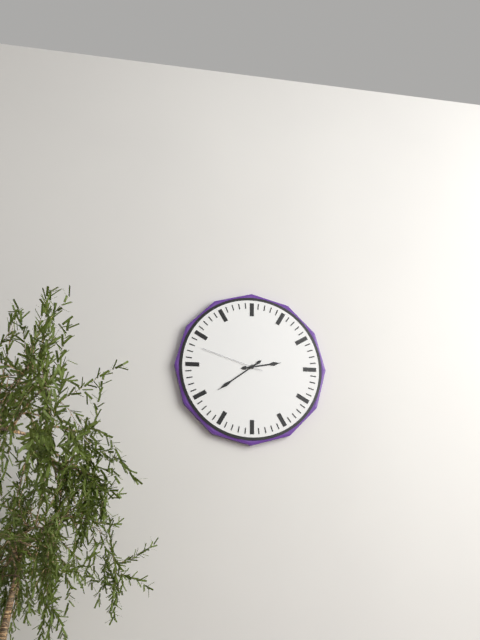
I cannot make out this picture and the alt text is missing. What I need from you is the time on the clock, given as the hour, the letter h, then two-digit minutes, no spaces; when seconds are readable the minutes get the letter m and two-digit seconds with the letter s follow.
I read 2h39m48s
